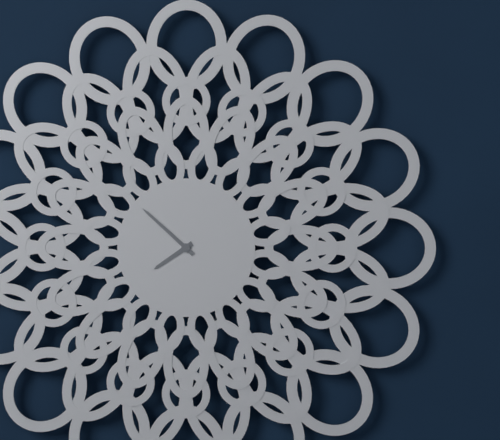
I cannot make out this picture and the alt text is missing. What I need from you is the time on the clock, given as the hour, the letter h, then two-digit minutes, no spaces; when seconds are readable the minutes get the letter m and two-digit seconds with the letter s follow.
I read 7h52
